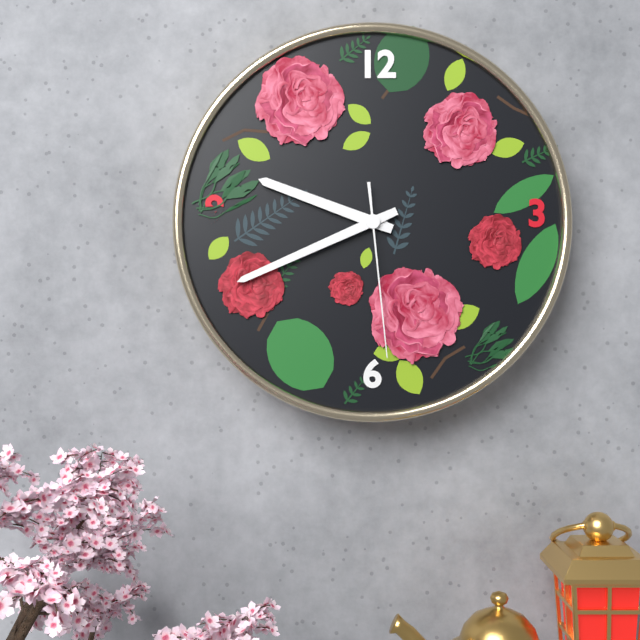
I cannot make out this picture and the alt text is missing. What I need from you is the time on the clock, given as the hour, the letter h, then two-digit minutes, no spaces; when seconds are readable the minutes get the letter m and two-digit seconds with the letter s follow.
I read 9h41m29s
